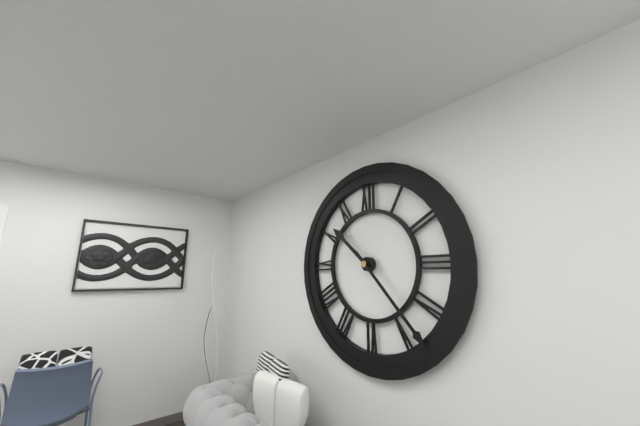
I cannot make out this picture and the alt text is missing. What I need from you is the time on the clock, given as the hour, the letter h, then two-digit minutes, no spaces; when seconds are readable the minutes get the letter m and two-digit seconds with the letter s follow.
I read 10h23
